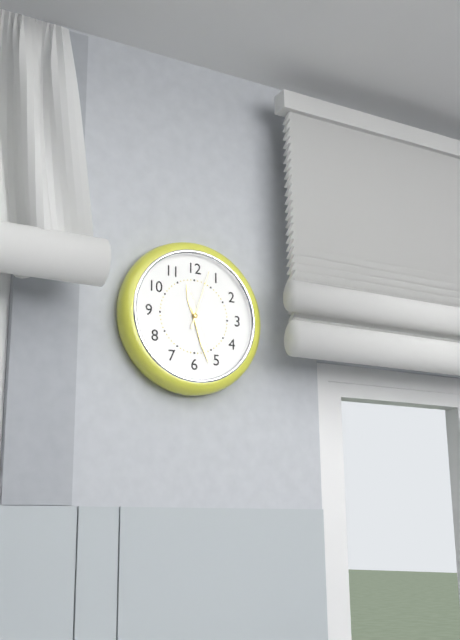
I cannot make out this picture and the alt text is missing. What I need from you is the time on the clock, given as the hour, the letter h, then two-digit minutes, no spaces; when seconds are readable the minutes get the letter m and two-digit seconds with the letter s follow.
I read 11h27m03s
